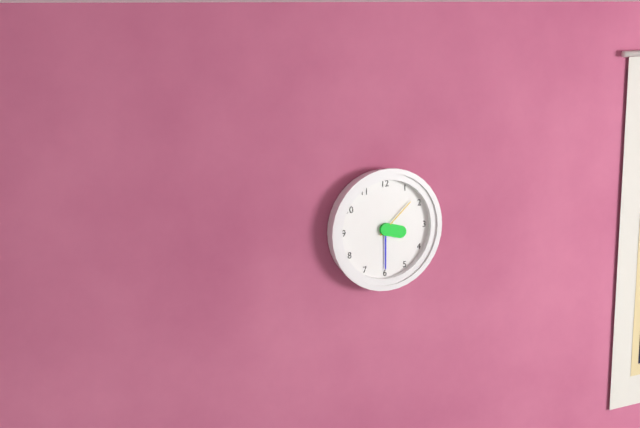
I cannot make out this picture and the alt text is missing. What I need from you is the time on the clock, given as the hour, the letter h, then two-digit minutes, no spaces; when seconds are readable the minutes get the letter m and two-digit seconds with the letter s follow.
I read 3h30
